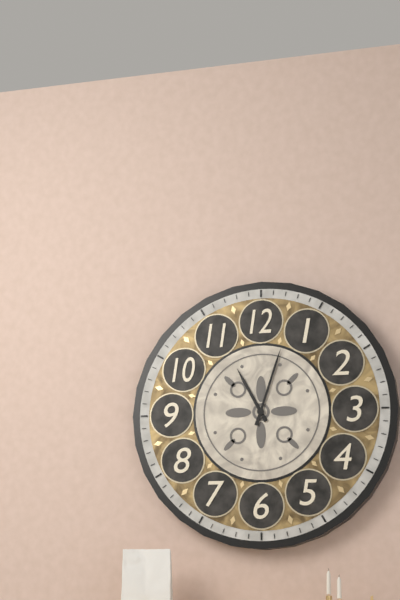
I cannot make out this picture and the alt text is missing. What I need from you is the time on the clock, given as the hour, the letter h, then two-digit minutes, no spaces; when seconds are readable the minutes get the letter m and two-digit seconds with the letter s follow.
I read 11h03
